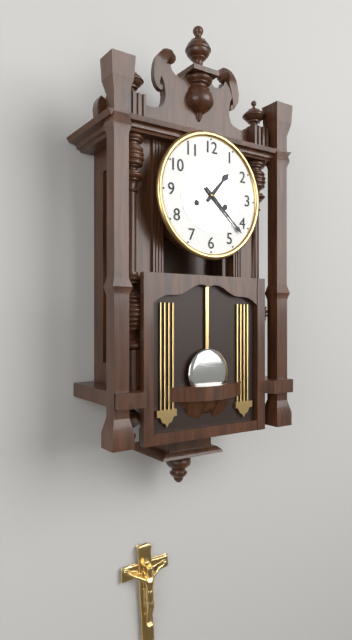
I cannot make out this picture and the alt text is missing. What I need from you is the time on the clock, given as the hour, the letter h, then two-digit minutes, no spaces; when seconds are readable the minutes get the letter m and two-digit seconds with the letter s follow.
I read 1h22
